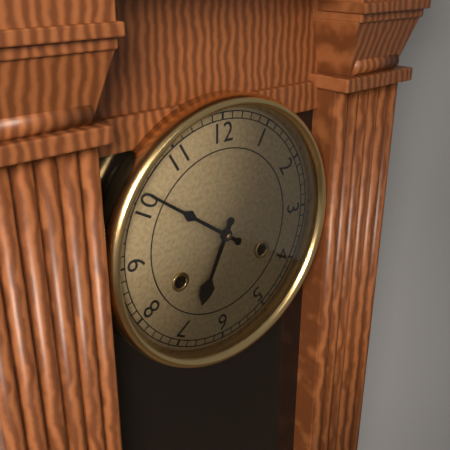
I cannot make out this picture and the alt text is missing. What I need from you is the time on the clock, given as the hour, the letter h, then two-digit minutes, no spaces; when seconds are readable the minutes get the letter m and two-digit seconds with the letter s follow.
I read 6h51
